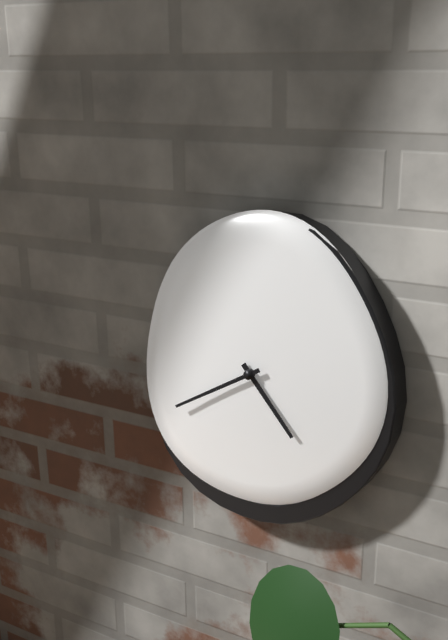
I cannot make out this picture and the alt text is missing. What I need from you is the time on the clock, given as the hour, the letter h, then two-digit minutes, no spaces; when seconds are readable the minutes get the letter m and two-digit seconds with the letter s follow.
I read 4h40
